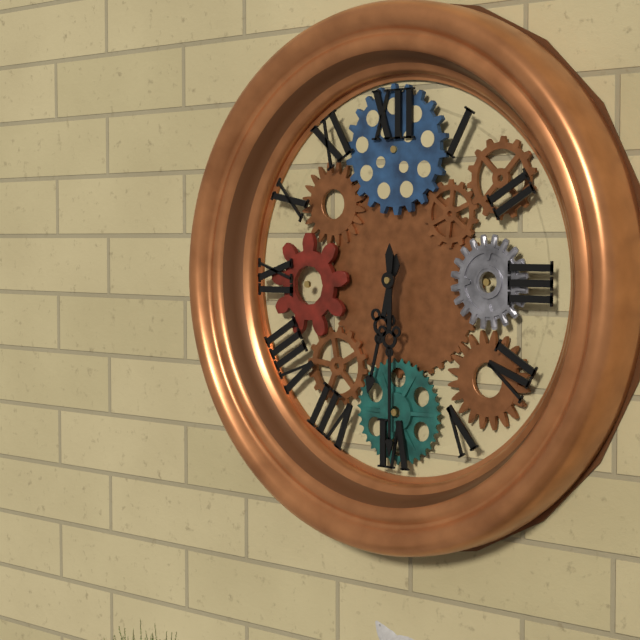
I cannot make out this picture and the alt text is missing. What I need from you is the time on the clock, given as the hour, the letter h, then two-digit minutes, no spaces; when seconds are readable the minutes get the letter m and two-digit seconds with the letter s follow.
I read 6h30
